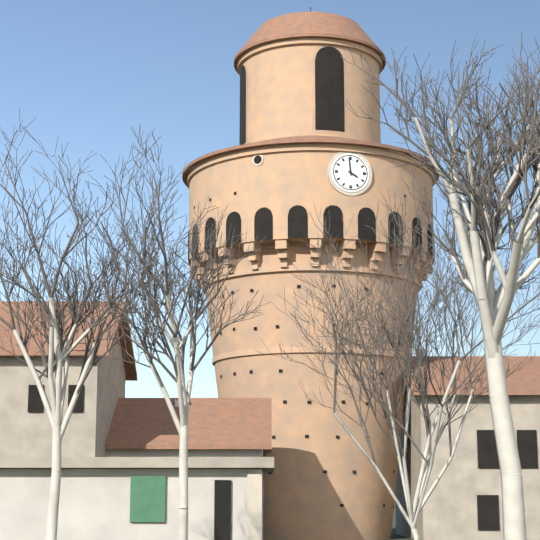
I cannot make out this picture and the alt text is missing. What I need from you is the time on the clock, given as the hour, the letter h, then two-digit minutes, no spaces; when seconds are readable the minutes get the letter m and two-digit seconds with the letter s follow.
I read 3h59
